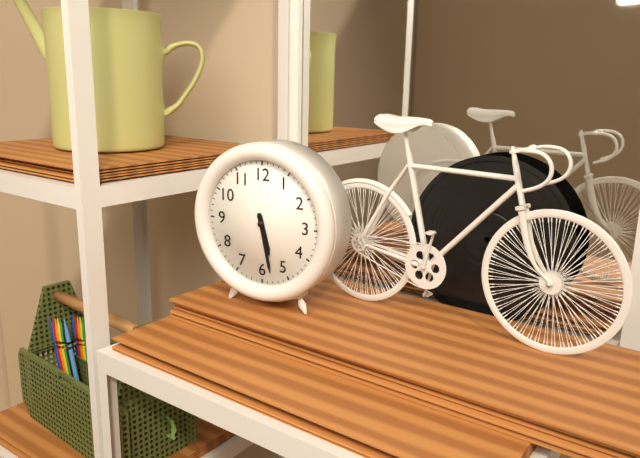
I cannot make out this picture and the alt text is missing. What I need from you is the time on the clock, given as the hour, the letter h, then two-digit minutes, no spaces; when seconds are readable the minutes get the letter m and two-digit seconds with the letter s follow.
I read 5h28
